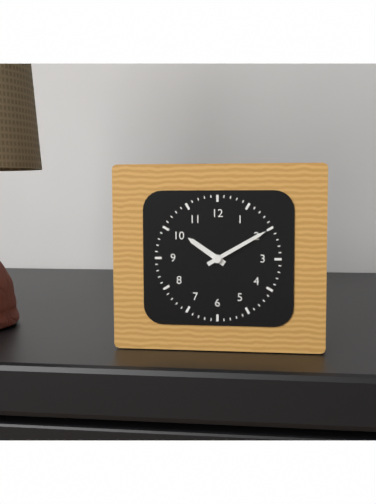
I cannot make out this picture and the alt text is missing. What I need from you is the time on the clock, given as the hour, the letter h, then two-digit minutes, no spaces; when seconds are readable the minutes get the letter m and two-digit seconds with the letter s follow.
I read 10h10
